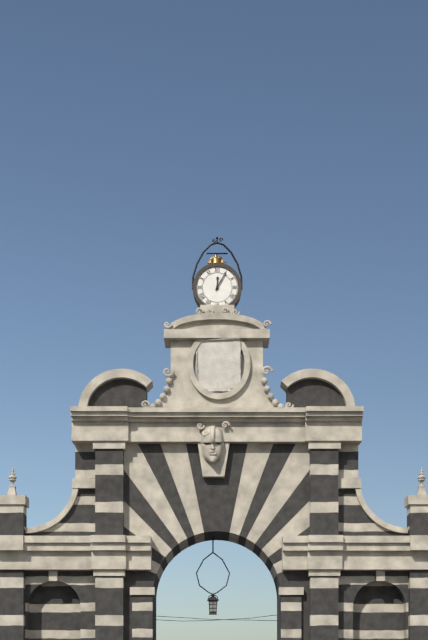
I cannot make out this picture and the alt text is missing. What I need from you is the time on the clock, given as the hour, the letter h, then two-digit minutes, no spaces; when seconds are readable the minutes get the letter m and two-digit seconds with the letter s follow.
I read 12h05
